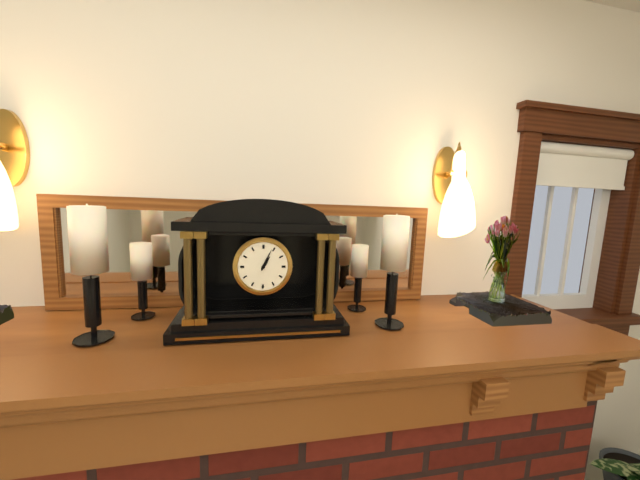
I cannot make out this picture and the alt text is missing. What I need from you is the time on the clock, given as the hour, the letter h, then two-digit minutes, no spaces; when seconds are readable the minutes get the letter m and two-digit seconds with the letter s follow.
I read 1h04
